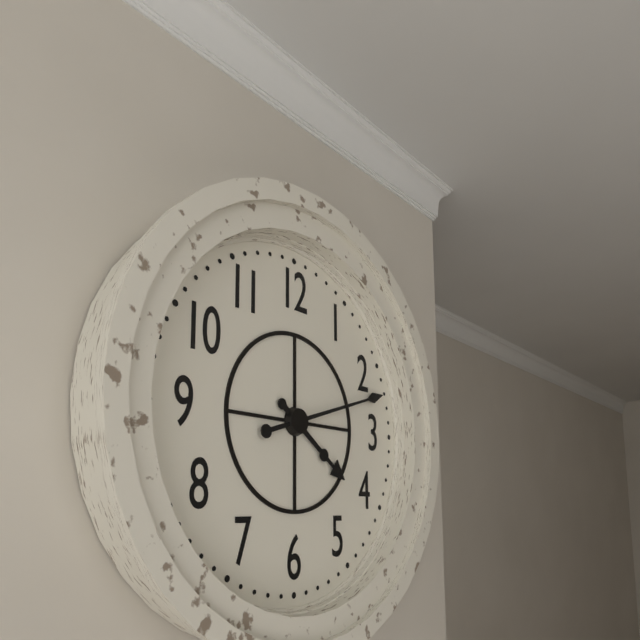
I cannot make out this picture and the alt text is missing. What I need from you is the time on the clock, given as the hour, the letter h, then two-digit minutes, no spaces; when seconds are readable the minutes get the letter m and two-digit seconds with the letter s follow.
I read 4h12
